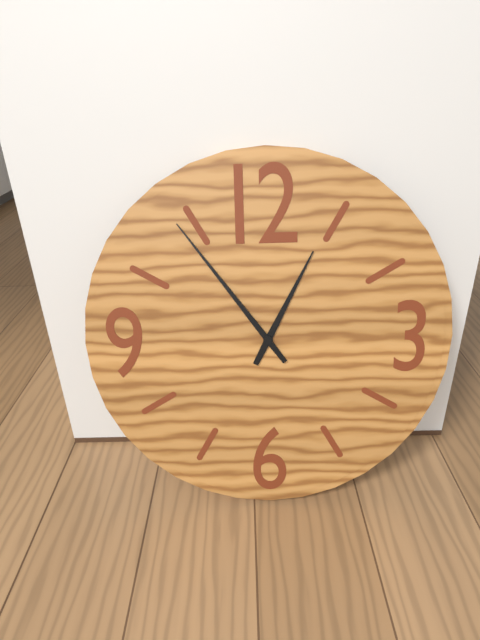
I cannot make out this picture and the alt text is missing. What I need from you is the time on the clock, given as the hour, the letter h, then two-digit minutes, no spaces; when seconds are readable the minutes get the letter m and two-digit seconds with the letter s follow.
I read 12h54
